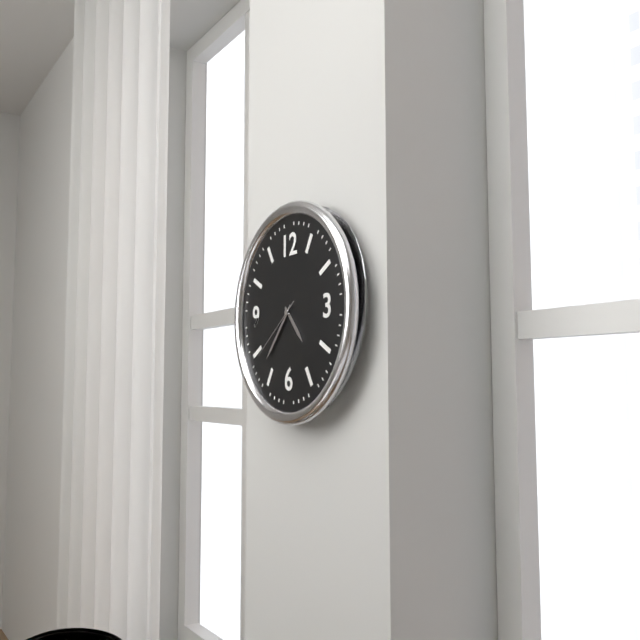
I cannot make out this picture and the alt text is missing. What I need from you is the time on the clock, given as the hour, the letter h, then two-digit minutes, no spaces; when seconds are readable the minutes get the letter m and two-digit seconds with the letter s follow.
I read 4h37m39s
